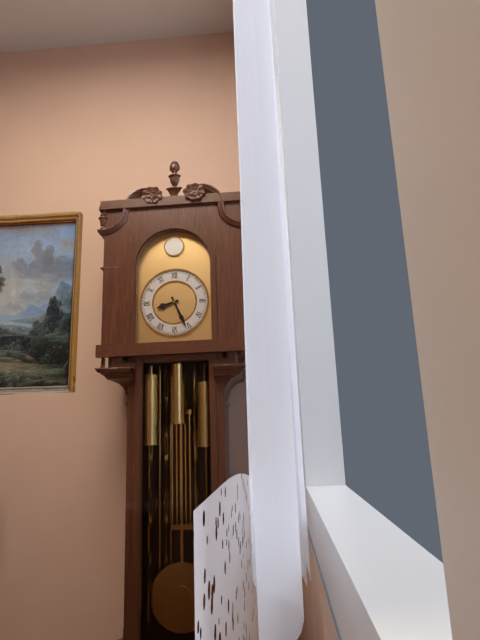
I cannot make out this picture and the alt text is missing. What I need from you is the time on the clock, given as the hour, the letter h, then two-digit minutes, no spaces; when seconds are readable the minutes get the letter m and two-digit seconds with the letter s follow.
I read 8h26
